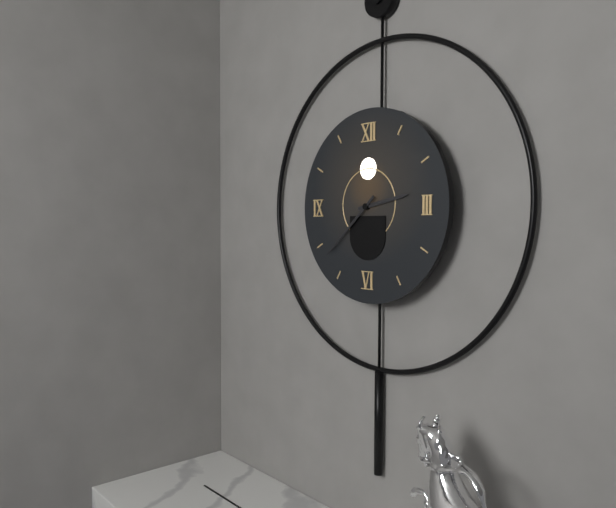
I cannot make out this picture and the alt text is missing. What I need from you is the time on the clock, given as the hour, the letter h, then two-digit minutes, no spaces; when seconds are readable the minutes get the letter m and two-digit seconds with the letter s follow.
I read 2h38
